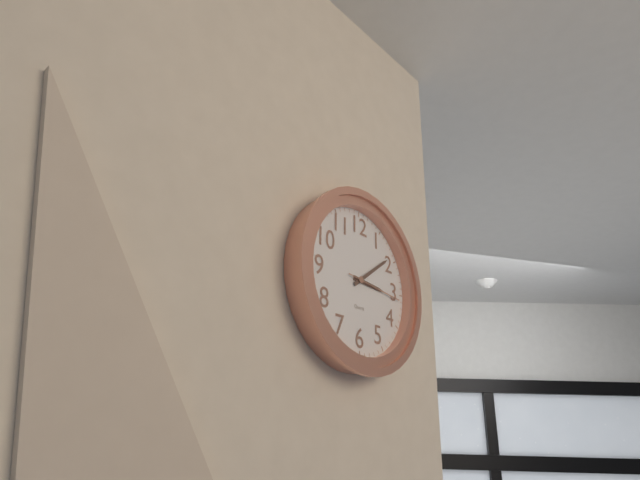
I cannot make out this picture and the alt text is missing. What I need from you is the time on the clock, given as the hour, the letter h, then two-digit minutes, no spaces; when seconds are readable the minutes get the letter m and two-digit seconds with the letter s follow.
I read 3h09m16s
